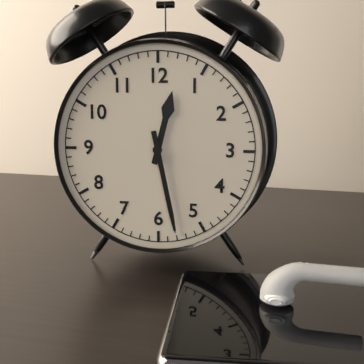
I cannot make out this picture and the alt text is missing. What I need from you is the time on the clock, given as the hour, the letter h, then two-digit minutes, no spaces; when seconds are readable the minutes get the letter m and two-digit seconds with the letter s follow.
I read 12h28
